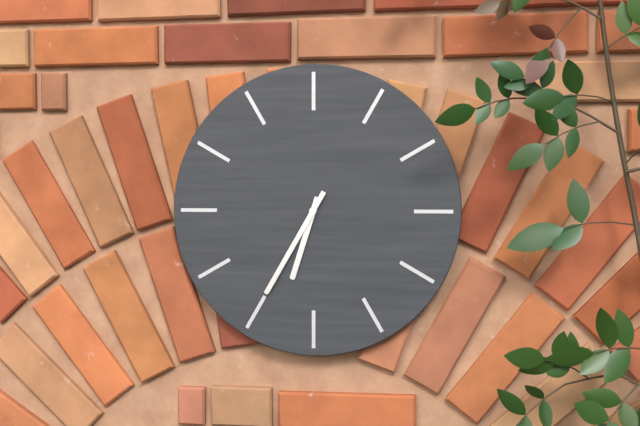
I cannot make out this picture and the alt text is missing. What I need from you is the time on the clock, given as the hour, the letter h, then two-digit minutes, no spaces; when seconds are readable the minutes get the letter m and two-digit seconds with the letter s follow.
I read 6h35
